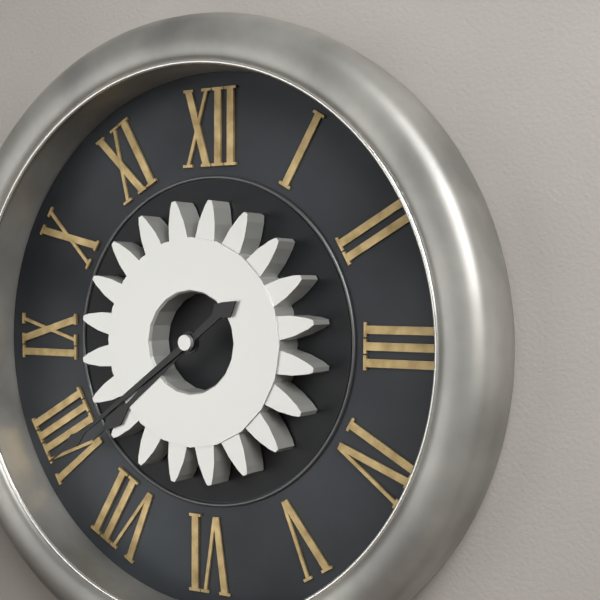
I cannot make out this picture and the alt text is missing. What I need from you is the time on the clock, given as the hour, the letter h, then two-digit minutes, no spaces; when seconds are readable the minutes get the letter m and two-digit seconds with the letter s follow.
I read 7h39
